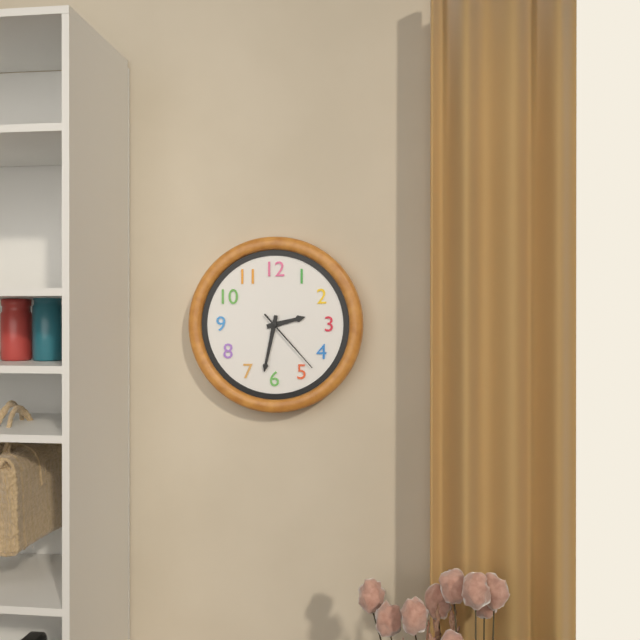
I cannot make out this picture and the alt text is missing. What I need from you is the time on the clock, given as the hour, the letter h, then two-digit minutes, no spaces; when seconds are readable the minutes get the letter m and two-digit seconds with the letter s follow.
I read 2h32m23s
